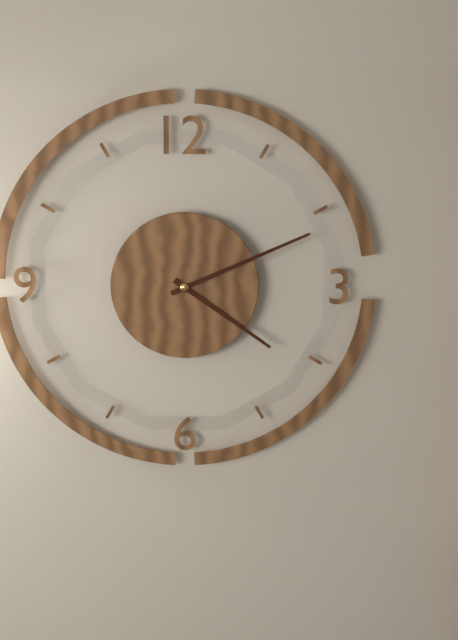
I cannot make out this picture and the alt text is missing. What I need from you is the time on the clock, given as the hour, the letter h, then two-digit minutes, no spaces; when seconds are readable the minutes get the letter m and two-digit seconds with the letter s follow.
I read 4h11
